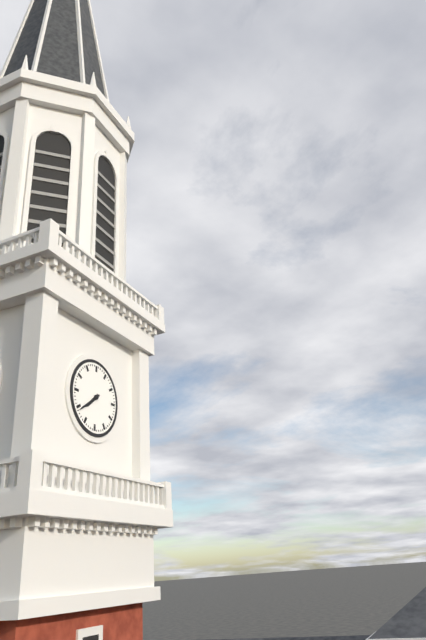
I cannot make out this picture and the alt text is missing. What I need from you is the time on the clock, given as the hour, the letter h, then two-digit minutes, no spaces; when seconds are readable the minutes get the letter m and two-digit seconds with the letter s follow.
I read 7h39
